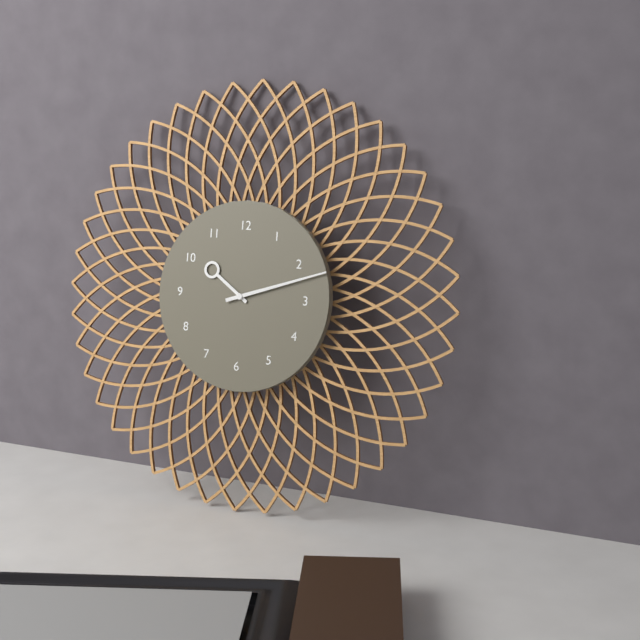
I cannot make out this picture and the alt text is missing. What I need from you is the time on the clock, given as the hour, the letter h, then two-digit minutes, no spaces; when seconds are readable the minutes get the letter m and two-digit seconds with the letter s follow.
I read 10h12
